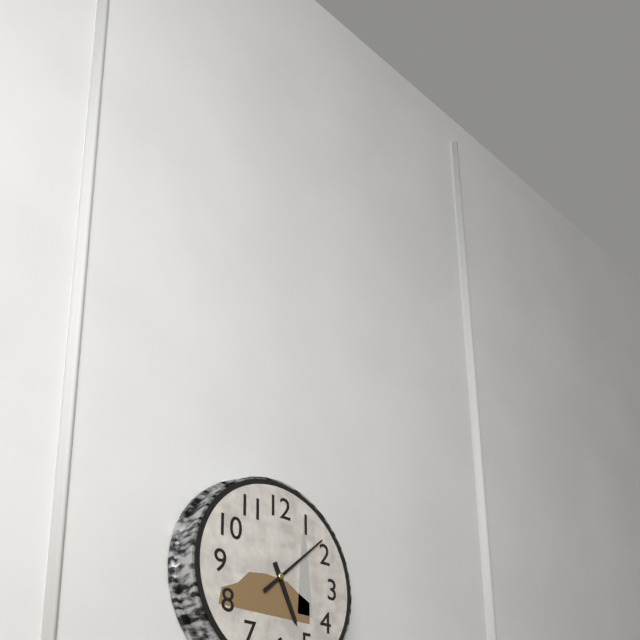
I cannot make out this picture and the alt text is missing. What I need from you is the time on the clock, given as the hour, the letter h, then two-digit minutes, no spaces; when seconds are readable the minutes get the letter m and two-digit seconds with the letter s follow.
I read 5h08
